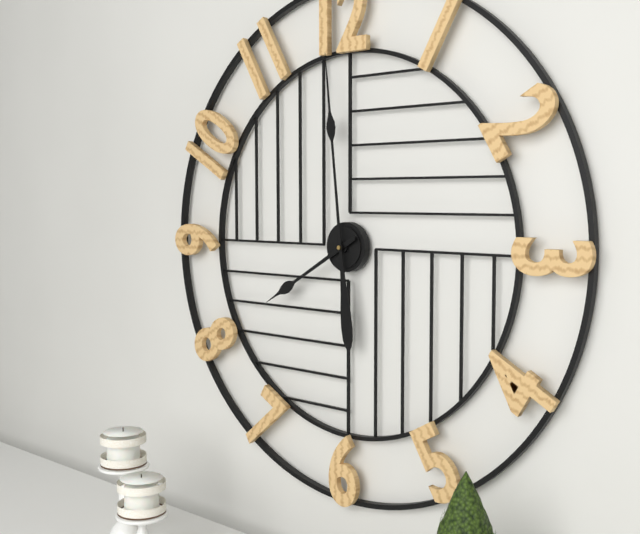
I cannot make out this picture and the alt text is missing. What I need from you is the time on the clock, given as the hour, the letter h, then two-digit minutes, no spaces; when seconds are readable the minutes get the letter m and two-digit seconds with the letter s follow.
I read 7h59
